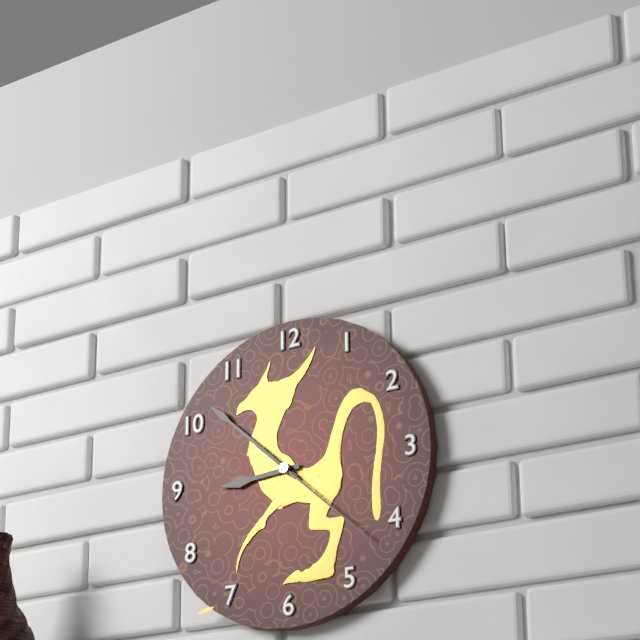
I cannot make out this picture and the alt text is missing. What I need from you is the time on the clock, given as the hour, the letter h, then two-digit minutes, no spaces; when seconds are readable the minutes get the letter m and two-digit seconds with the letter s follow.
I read 8h52m22s
